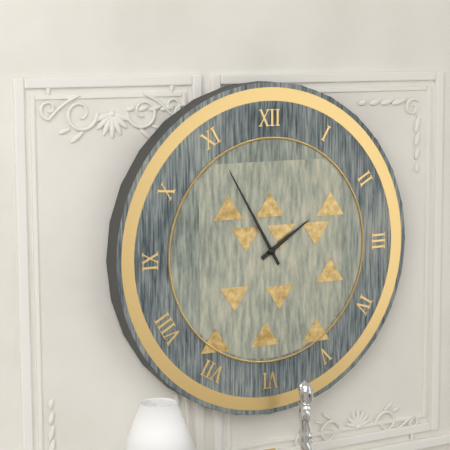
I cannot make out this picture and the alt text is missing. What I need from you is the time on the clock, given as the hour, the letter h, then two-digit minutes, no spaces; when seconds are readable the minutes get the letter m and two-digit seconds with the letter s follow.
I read 1h55
